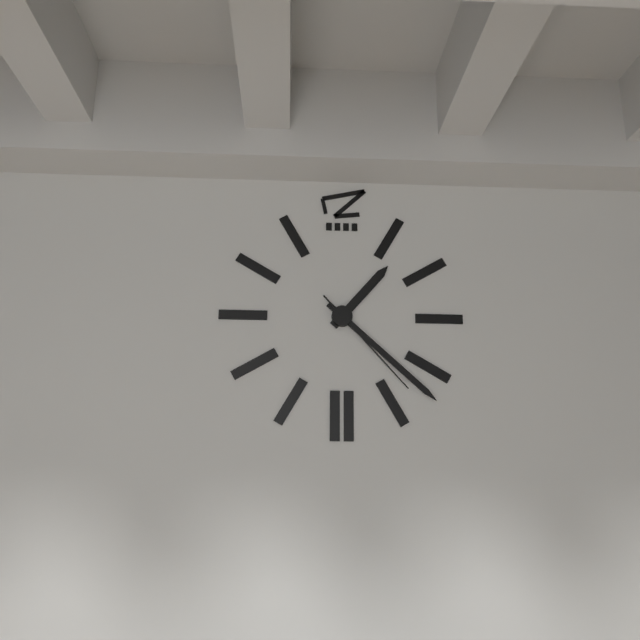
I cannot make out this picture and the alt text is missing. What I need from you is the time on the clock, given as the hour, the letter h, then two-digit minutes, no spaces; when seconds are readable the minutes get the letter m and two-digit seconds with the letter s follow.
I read 1h22m23s
